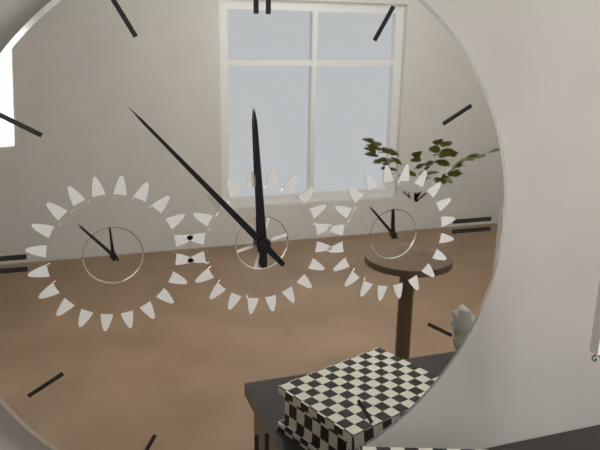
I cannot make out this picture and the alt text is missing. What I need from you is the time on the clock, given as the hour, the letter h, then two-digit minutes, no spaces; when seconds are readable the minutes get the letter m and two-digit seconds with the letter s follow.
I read 11h53
